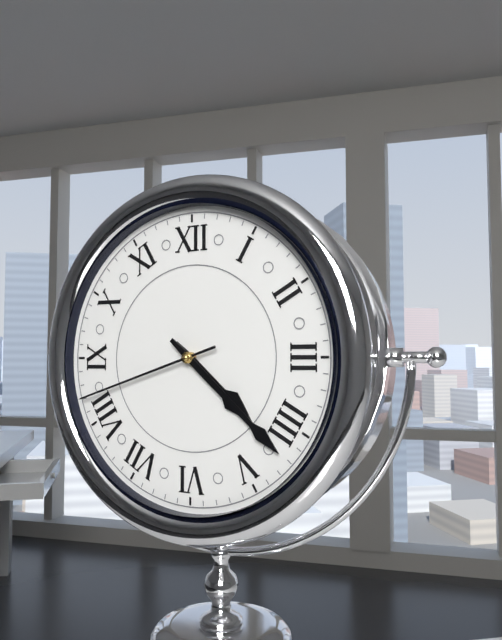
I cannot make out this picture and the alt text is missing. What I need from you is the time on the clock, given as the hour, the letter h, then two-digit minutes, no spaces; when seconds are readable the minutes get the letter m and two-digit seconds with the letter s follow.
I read 4h22m42s
